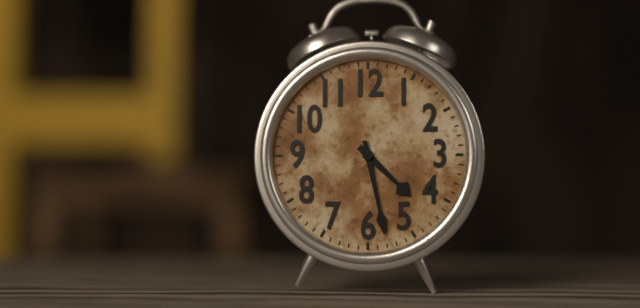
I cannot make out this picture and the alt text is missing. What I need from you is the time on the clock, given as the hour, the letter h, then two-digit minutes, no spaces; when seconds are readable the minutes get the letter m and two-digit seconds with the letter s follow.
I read 4h28
